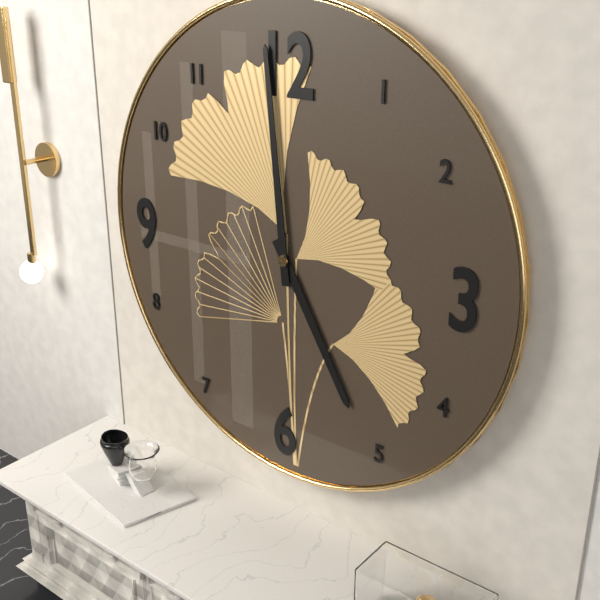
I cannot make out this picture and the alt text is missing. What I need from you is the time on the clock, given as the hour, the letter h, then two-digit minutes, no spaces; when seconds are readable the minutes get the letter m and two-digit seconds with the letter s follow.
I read 4h59
